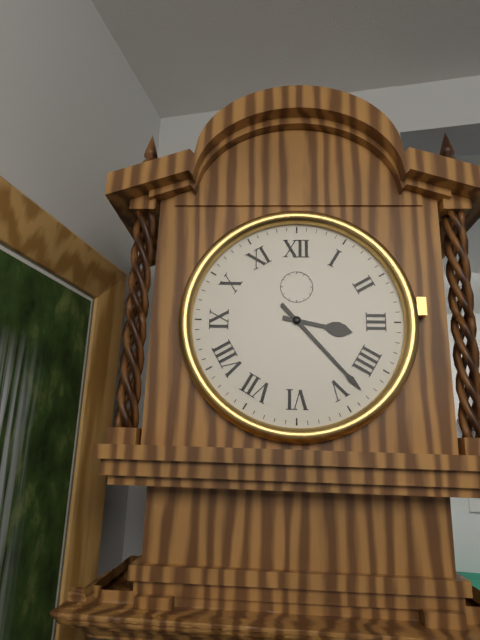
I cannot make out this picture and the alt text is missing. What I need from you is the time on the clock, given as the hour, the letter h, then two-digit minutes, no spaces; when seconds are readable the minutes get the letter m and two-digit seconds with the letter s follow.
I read 3h23
